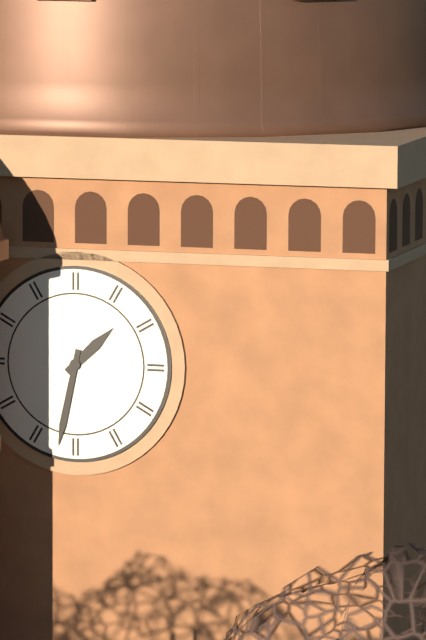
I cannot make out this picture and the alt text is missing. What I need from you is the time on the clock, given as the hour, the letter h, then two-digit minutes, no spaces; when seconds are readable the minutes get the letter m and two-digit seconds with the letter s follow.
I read 1h32
